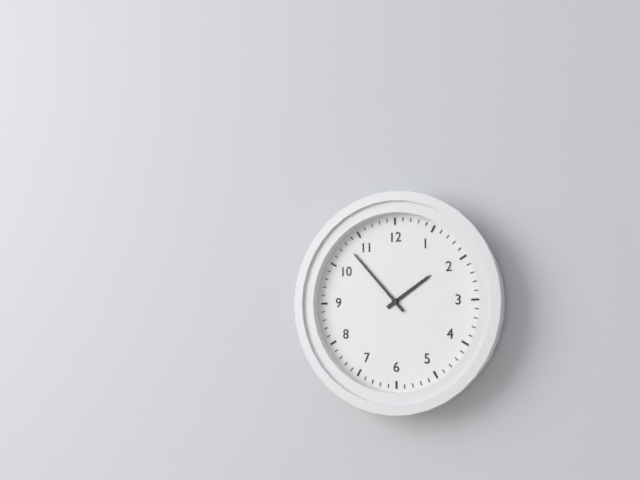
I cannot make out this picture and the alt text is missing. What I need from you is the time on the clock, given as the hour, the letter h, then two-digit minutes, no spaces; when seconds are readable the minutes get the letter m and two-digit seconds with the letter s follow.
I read 1h53
